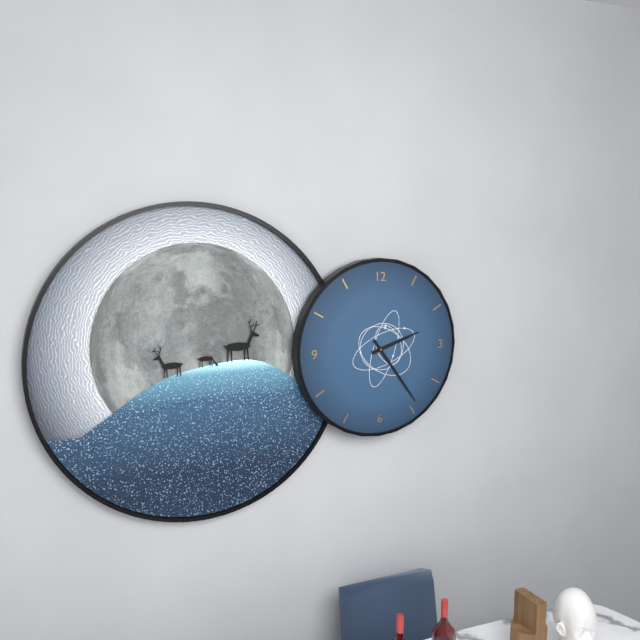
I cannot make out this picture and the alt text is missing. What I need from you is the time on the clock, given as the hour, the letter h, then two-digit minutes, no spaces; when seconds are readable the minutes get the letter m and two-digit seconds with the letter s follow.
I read 2h24
